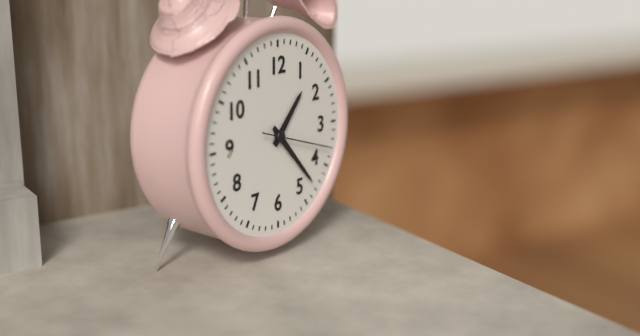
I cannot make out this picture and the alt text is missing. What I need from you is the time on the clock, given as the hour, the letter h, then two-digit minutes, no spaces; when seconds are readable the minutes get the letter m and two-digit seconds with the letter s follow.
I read 1h23m18s
